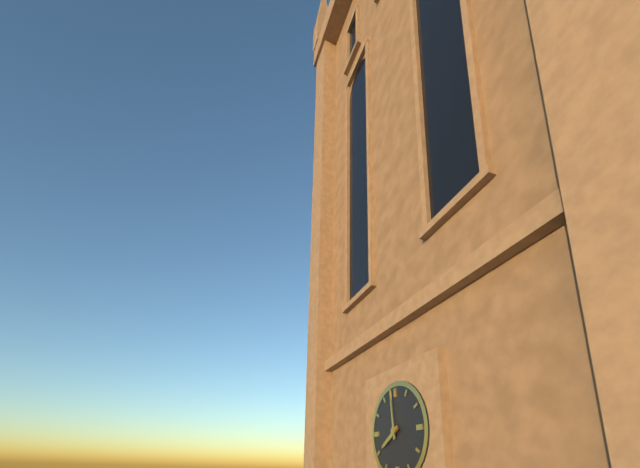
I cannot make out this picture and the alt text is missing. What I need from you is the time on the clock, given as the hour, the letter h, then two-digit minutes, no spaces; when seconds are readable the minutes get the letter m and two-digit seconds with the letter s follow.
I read 7h59
